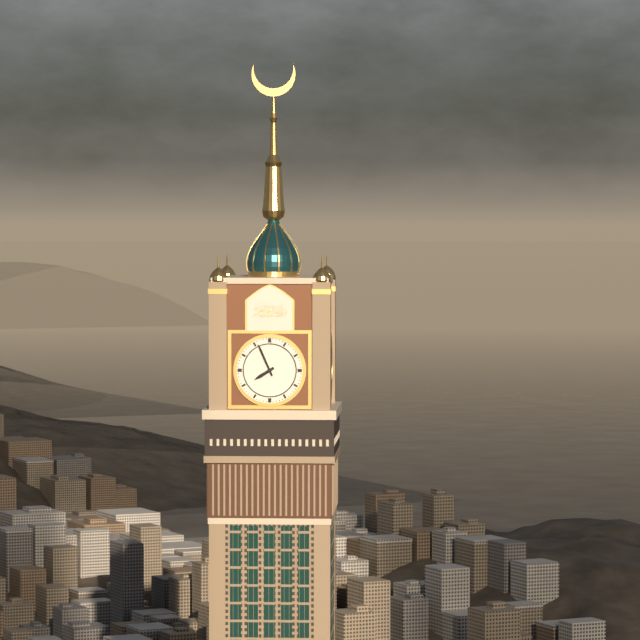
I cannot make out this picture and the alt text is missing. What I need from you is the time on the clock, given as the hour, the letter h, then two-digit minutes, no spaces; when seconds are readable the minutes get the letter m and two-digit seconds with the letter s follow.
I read 7h56
